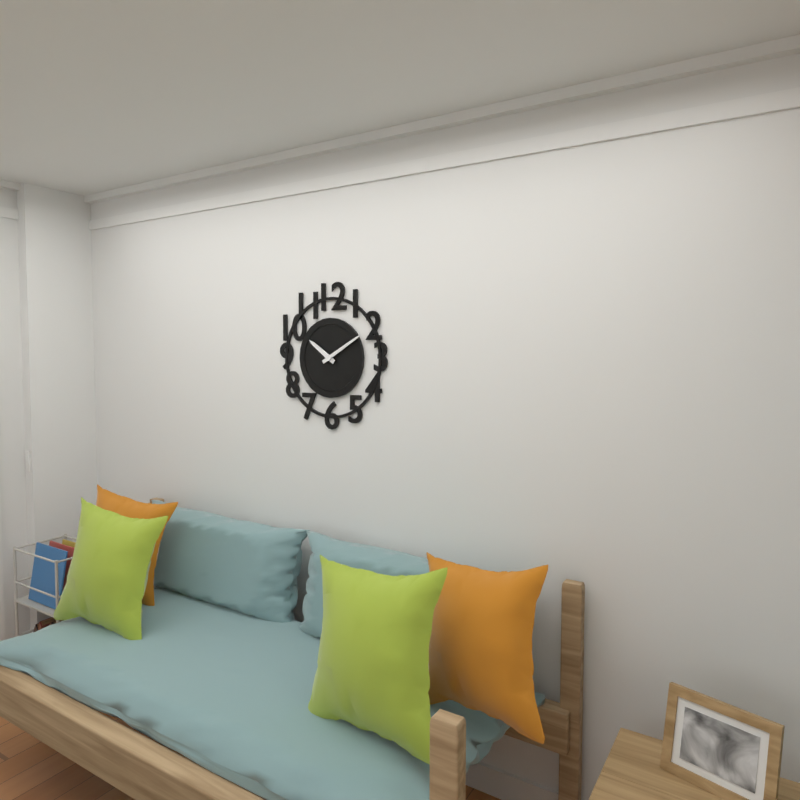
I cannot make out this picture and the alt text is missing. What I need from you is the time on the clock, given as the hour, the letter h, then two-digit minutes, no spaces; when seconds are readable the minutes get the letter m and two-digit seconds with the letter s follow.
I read 10h10
